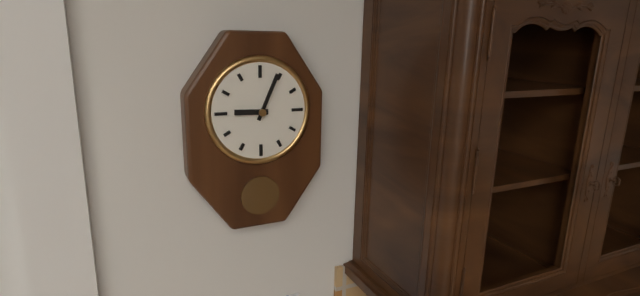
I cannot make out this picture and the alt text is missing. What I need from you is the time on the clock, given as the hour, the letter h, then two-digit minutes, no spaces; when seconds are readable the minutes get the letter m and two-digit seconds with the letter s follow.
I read 9h04
